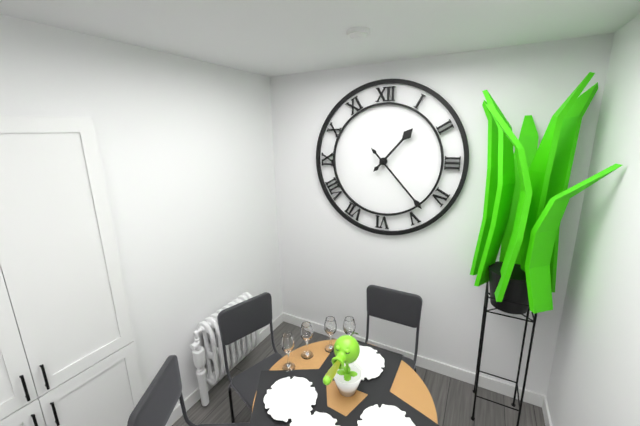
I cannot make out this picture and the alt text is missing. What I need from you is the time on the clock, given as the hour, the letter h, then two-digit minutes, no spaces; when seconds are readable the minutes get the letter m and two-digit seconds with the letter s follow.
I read 1h23
